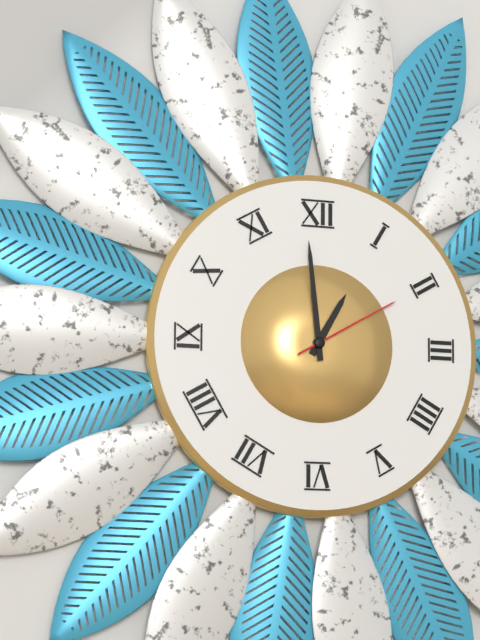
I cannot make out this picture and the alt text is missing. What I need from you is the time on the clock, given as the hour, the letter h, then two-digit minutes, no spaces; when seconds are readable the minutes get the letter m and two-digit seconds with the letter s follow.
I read 12h59m10s
